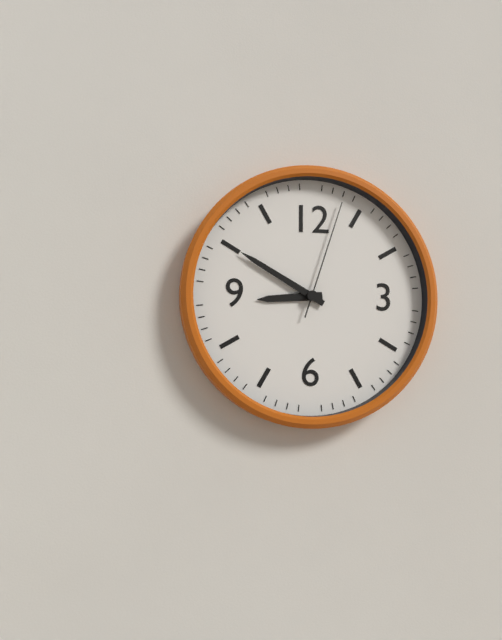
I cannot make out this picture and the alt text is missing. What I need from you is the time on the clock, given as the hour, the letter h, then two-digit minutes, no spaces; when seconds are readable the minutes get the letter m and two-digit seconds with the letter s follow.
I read 8h50m03s
